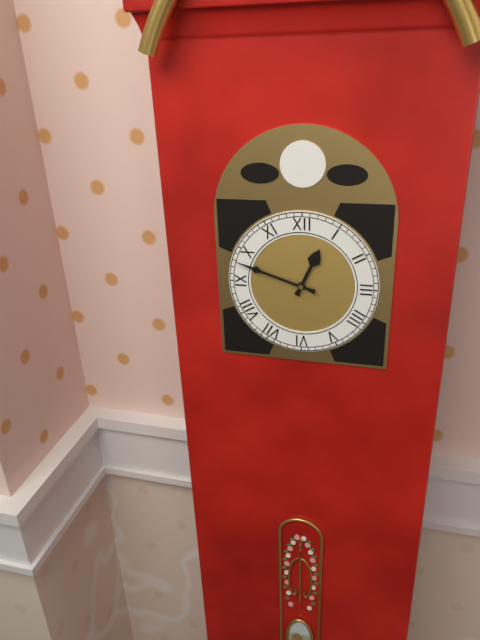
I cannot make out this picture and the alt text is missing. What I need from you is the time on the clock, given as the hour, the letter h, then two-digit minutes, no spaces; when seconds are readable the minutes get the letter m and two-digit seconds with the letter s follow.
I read 12h48
